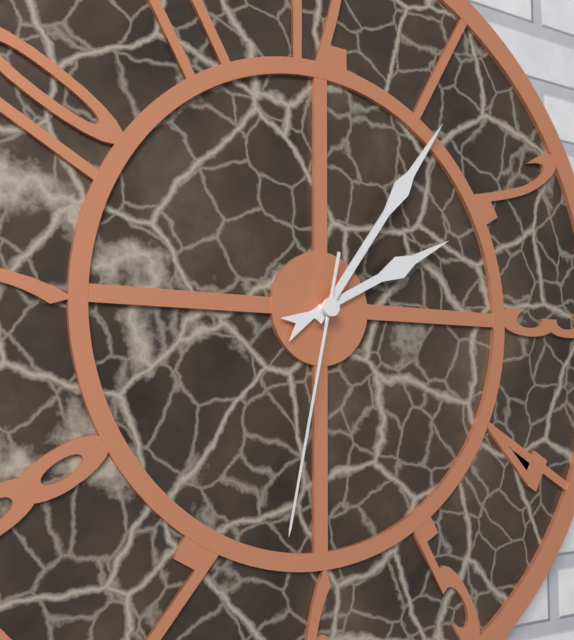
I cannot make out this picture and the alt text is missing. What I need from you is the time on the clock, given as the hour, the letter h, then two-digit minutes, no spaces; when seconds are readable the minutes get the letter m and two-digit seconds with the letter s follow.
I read 2h06m32s
